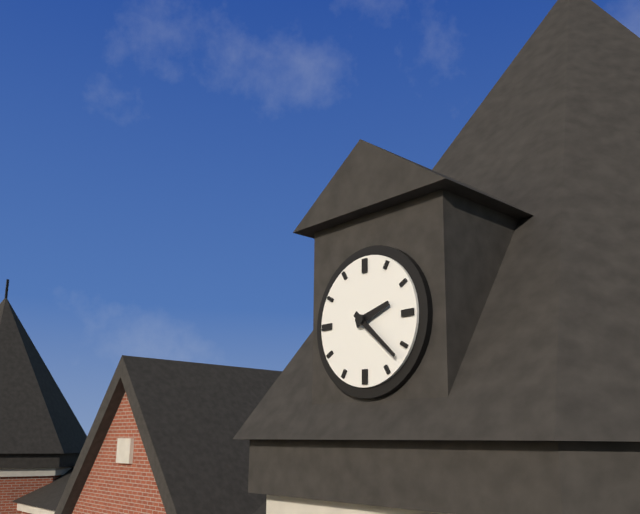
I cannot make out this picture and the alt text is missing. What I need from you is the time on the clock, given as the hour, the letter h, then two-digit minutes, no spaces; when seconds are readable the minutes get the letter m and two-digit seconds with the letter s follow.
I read 2h22
